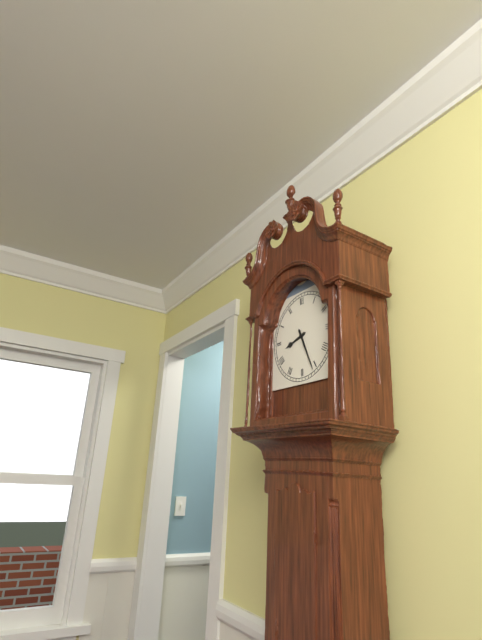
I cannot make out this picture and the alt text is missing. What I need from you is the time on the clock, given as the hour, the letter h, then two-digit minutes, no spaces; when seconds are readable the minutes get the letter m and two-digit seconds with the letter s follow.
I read 8h26
